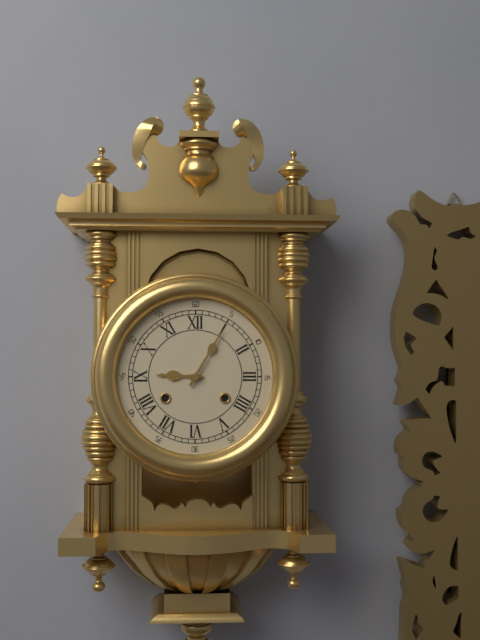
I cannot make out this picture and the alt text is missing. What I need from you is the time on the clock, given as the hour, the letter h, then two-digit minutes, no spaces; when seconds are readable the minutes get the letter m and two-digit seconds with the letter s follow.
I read 9h05
